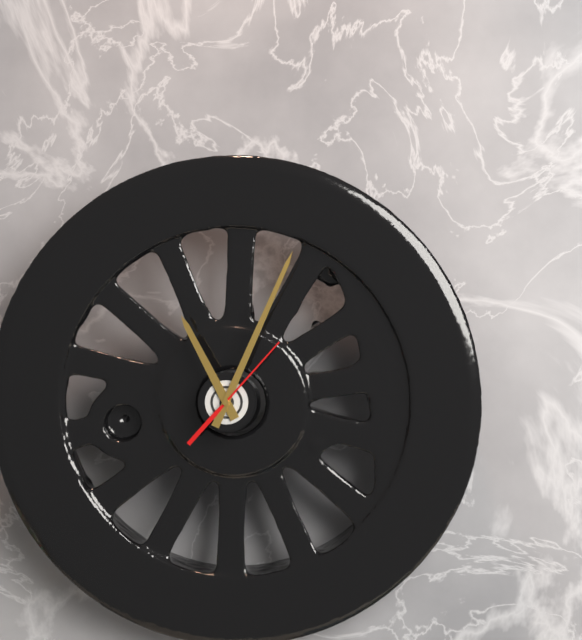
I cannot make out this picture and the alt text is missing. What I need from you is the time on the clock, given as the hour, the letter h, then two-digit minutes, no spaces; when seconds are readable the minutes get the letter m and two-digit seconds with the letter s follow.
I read 11h04m07s
